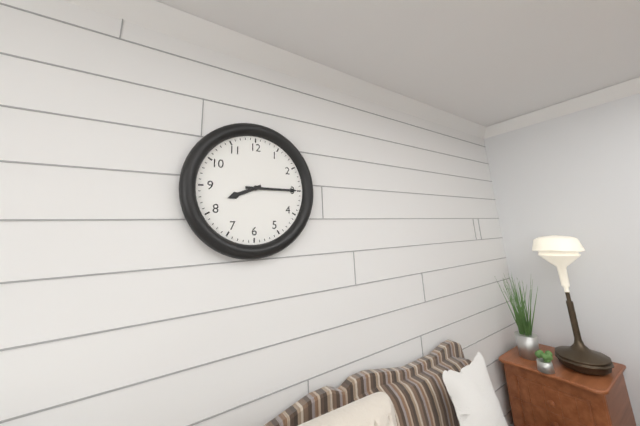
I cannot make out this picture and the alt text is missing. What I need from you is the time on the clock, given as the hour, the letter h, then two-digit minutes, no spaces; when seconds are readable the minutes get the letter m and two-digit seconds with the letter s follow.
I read 8h15
